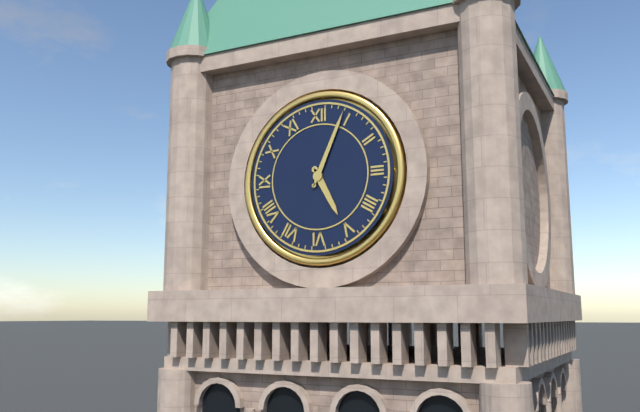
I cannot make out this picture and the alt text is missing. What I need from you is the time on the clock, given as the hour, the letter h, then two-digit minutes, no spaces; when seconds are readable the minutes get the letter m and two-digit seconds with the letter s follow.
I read 5h04
